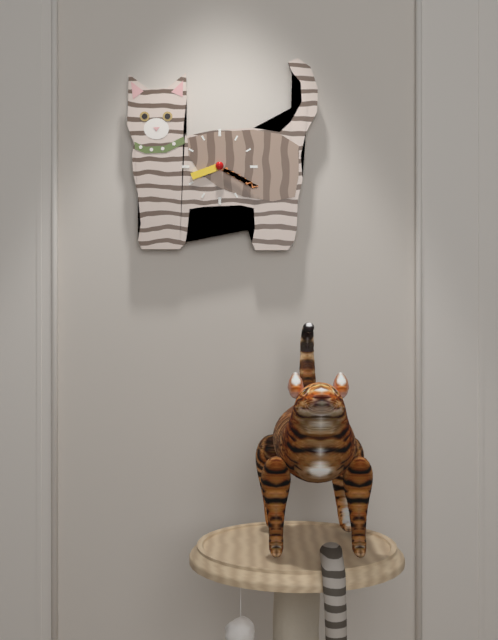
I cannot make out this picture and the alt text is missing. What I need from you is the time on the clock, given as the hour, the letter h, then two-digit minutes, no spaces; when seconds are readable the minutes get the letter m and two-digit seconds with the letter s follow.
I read 8h20
